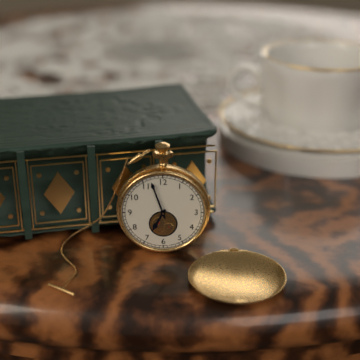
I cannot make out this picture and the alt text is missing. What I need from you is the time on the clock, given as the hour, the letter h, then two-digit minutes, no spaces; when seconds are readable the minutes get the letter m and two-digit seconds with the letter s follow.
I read 6h57
